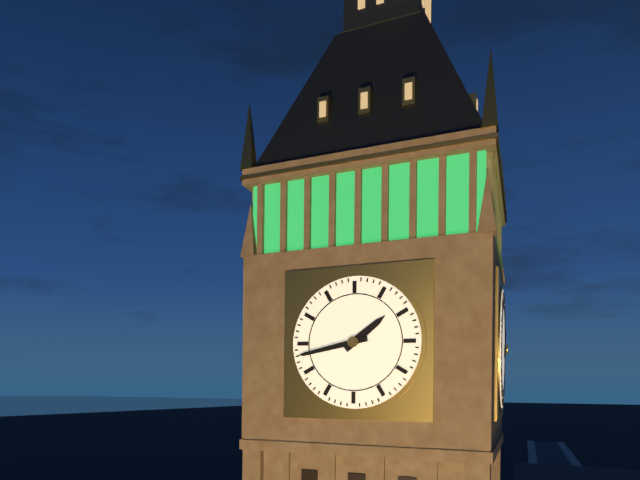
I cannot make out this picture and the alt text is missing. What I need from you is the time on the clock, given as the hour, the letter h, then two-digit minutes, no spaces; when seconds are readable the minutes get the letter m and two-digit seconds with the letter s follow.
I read 1h43
